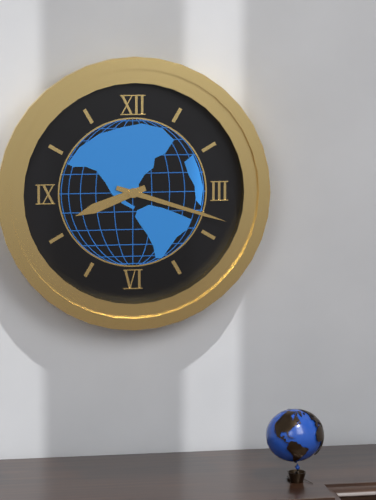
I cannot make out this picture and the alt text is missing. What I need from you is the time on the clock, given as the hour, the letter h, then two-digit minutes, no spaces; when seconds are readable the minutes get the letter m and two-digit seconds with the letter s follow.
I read 8h18
